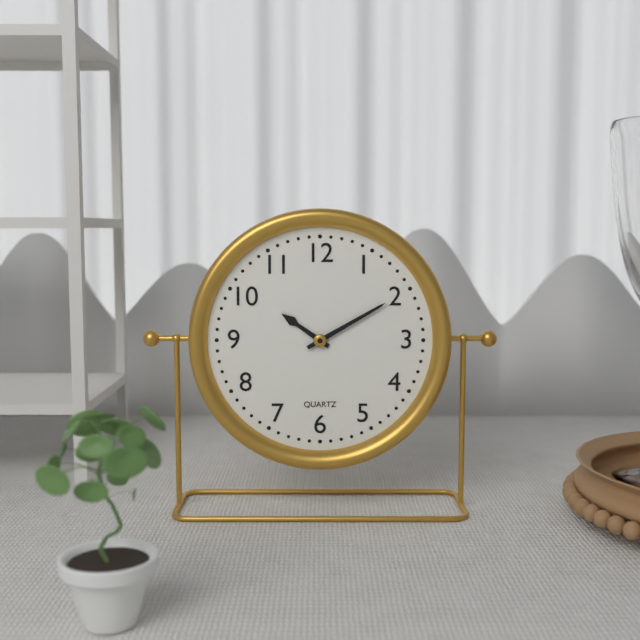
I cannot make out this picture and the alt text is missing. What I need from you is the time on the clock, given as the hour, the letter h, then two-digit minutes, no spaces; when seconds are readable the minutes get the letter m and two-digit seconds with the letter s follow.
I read 10h10
